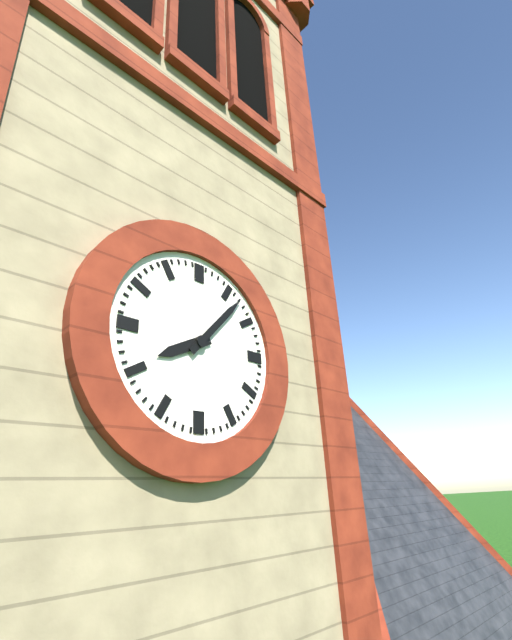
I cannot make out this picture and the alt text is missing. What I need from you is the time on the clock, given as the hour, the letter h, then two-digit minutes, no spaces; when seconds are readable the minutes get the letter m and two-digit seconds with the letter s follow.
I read 8h07
